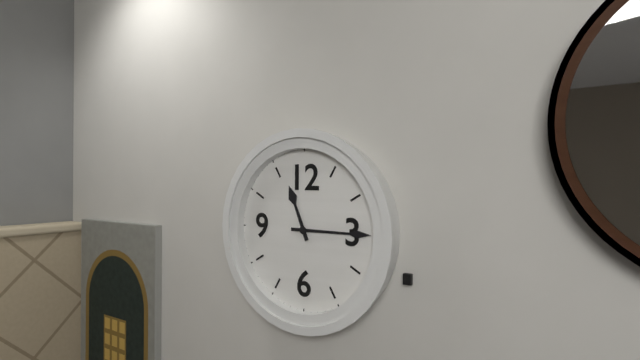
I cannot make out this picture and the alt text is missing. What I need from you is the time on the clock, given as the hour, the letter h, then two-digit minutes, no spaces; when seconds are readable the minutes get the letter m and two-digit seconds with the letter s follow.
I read 11h15
